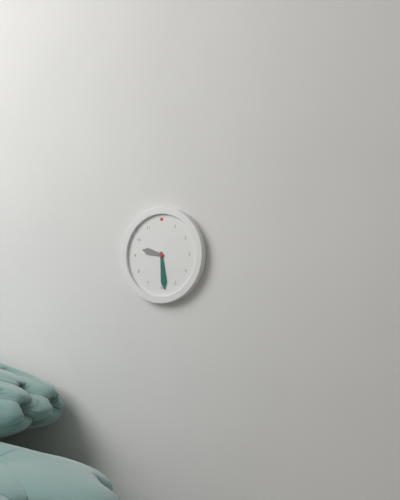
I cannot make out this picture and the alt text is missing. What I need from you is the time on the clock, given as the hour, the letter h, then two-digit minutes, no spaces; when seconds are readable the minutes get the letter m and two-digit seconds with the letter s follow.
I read 9h29
